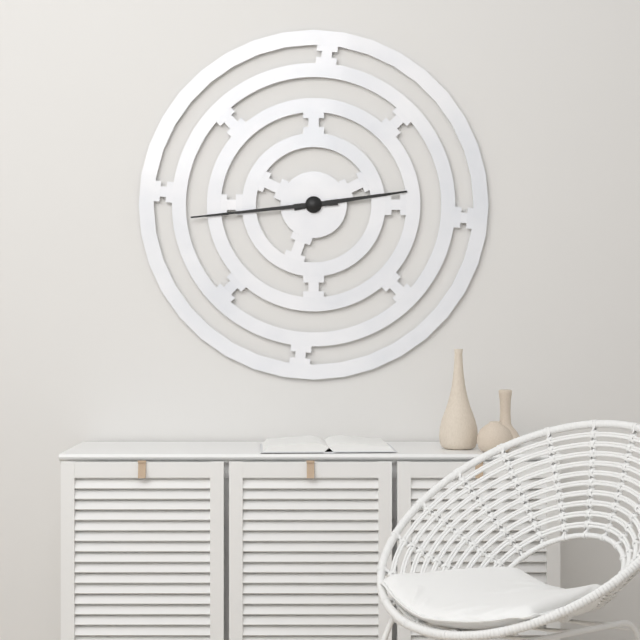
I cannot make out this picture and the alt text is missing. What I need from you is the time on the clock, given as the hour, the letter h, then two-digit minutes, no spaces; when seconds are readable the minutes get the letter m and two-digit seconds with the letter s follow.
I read 2h44
